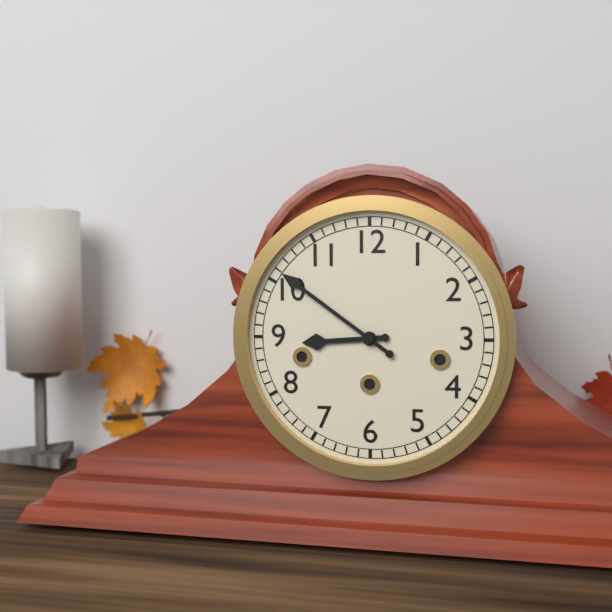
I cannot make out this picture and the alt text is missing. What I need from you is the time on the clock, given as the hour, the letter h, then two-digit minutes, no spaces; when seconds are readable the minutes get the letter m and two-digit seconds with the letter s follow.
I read 8h51
